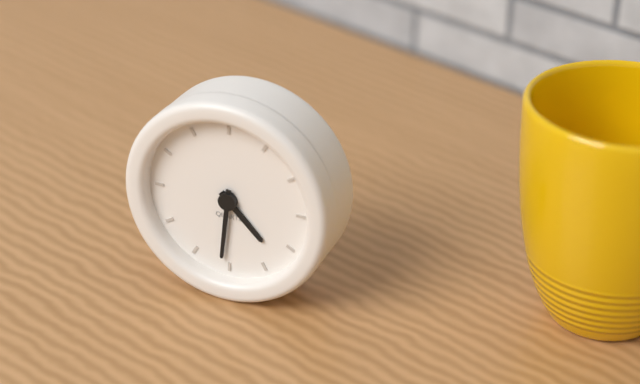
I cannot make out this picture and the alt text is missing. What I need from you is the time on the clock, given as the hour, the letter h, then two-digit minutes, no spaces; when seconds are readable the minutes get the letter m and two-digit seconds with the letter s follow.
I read 4h31
